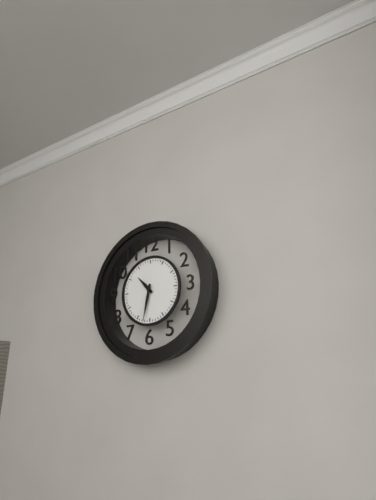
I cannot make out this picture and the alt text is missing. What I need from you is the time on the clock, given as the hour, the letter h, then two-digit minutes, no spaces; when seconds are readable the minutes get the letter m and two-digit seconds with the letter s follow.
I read 10h32
